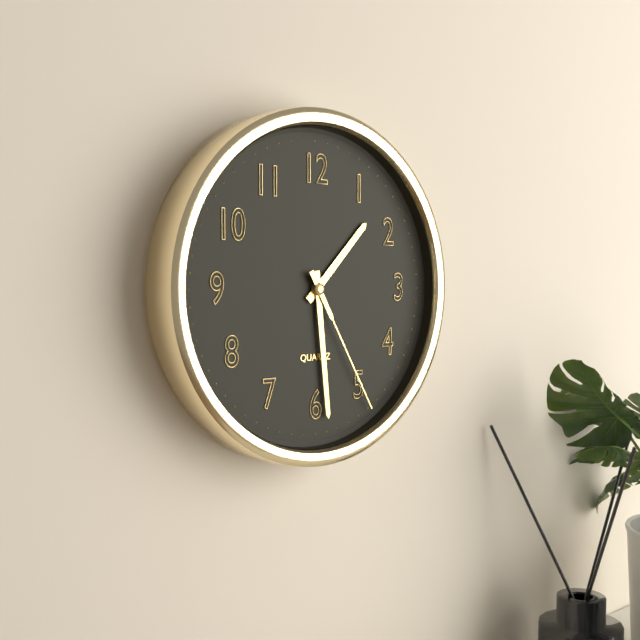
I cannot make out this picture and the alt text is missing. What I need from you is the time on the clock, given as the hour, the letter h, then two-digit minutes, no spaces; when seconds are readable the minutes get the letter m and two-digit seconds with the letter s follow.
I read 1h29m25s
